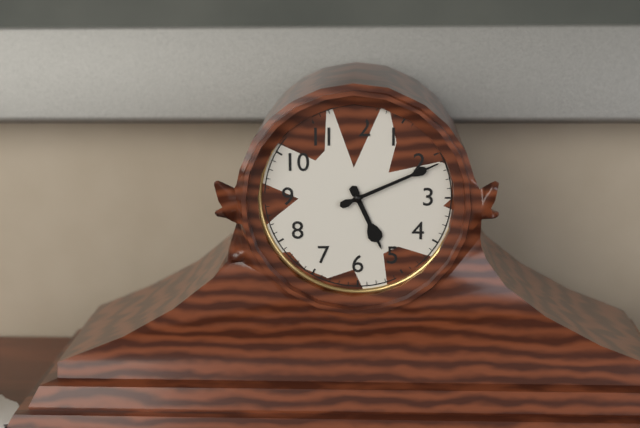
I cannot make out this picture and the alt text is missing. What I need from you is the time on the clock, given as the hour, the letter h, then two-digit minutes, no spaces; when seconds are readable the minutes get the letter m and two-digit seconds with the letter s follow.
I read 5h11
